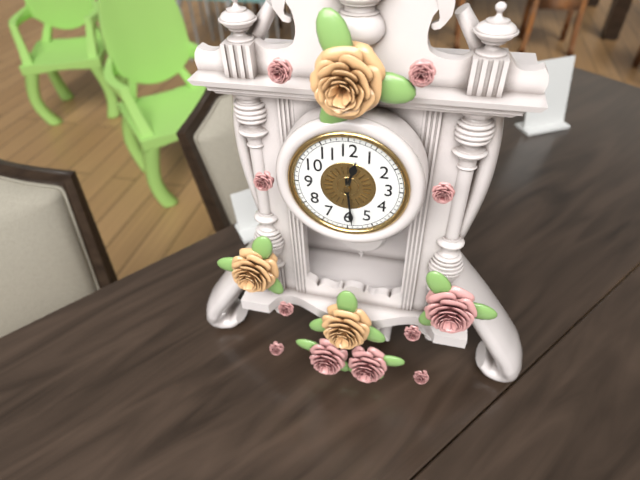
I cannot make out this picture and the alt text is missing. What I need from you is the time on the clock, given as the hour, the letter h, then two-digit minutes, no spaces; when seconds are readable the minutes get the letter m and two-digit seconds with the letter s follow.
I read 12h29
